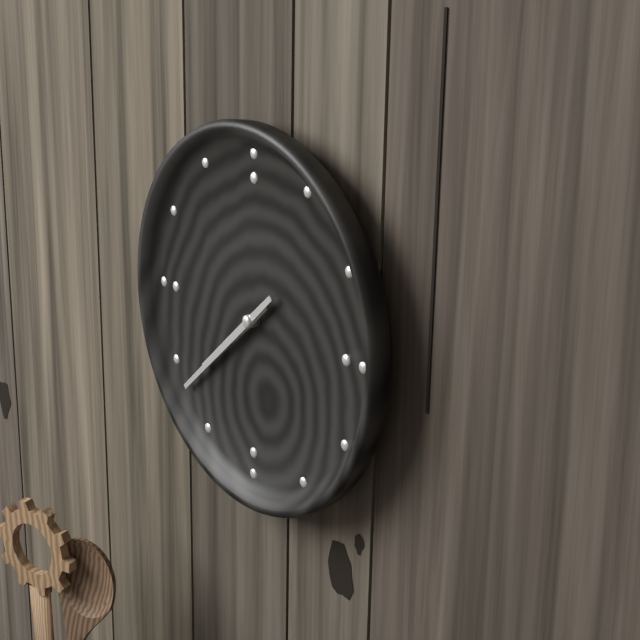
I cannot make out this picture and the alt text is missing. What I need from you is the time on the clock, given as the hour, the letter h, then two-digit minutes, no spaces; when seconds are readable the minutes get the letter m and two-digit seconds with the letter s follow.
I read 7h38
